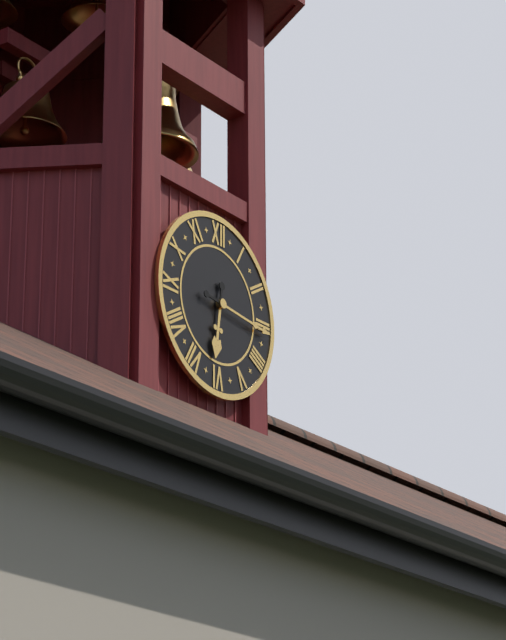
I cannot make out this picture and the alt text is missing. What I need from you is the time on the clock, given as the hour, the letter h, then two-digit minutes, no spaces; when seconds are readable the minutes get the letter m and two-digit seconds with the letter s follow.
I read 6h16
